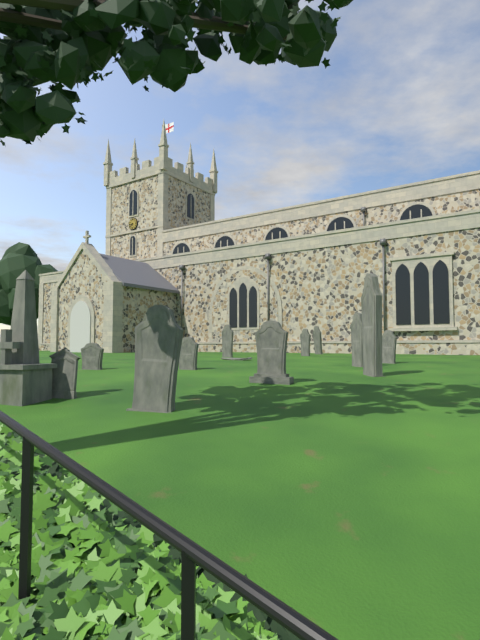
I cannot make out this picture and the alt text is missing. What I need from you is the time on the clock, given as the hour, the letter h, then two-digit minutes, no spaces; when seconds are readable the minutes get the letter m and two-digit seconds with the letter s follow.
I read 8h37
